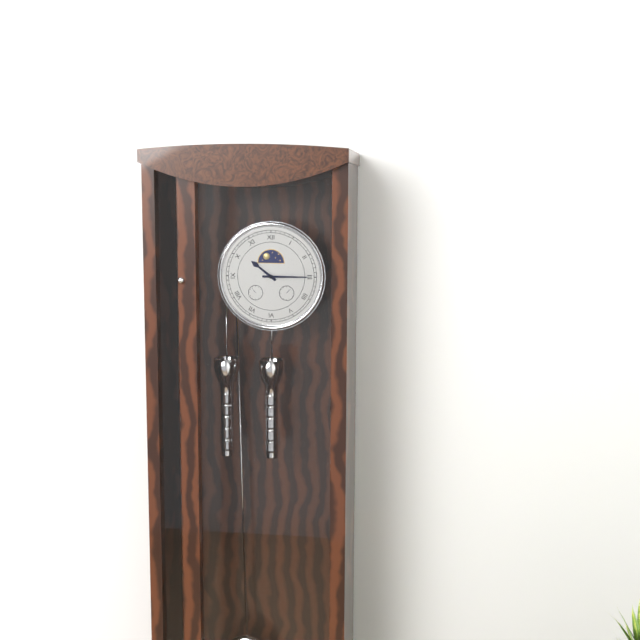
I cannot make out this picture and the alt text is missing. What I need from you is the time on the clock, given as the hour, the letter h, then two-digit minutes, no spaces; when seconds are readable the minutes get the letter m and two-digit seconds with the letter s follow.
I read 10h15
